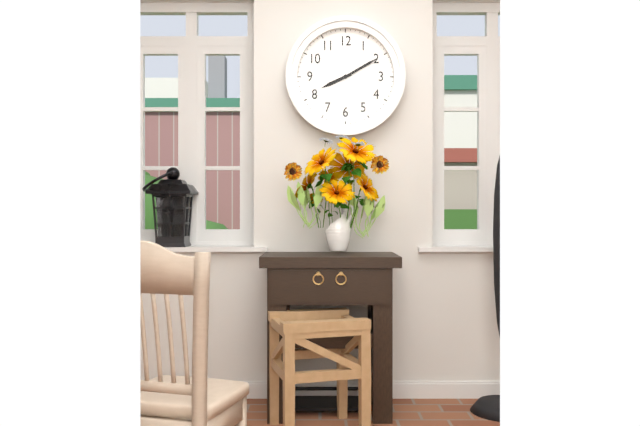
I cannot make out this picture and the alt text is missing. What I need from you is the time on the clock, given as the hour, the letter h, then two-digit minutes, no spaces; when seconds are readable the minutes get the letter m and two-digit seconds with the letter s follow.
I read 8h10
